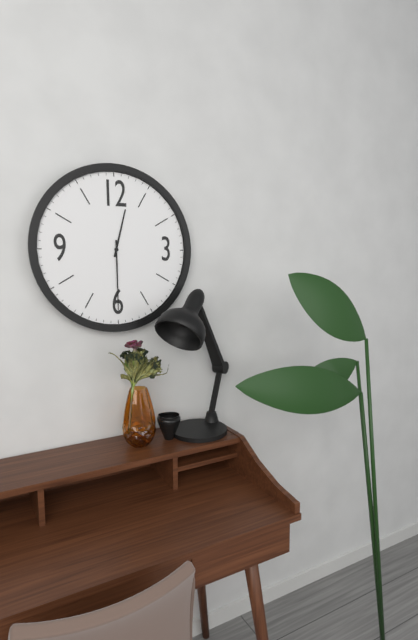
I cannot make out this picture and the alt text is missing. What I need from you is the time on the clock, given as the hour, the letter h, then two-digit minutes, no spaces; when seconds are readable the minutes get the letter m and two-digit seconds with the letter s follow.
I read 12h30
